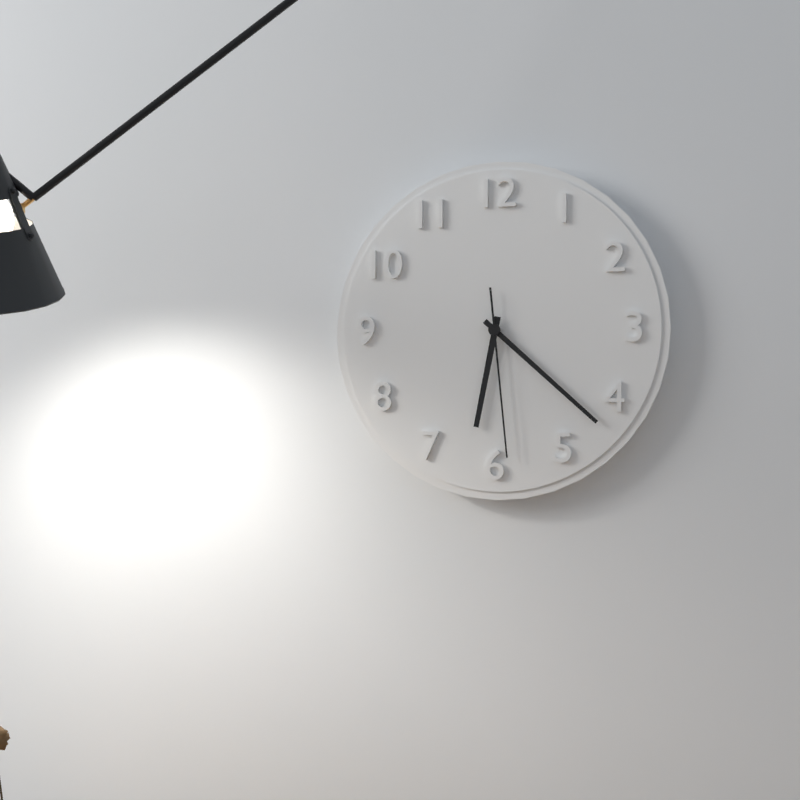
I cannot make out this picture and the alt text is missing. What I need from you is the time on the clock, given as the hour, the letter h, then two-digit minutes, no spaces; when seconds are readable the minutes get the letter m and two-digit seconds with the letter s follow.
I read 6h22m29s
